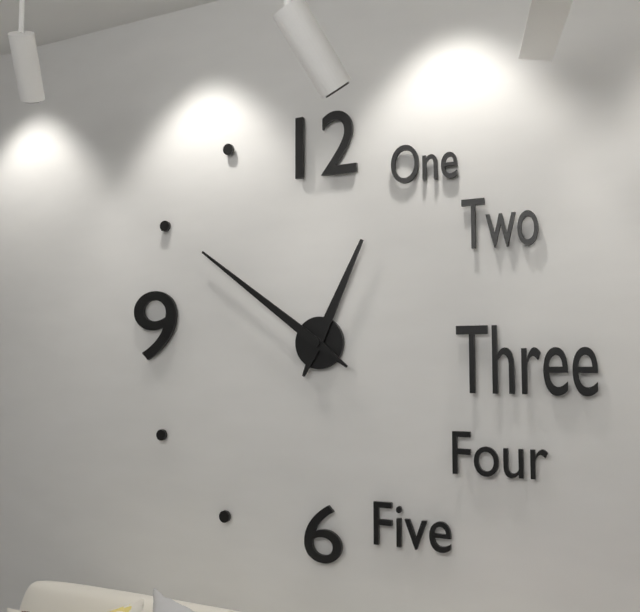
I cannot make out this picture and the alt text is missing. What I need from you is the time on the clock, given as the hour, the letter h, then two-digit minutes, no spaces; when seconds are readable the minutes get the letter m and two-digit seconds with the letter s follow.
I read 12h51
